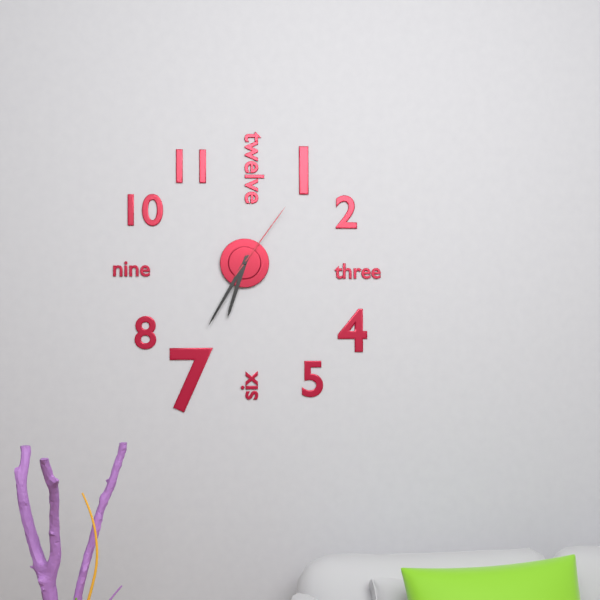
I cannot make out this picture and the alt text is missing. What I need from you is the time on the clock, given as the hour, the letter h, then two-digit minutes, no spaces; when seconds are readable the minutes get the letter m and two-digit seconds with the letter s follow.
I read 6h35m06s
